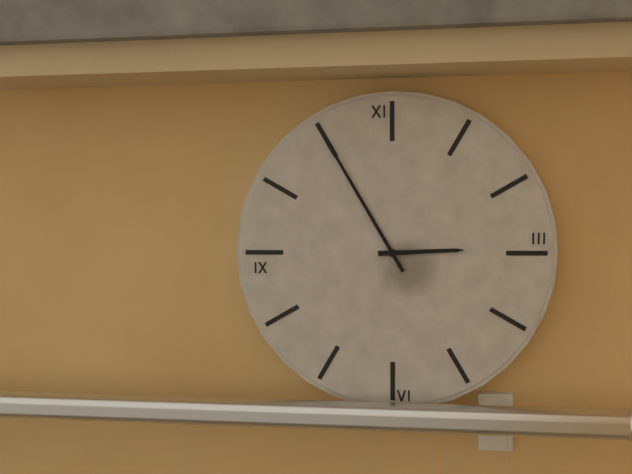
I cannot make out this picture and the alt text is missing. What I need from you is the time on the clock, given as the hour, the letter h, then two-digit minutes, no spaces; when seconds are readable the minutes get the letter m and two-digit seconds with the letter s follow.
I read 2h55
